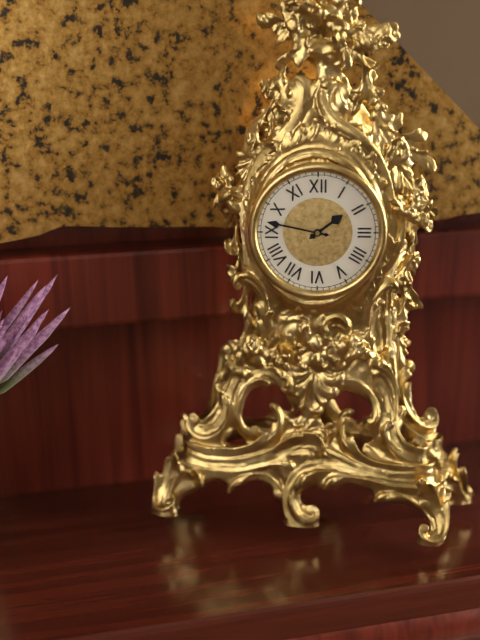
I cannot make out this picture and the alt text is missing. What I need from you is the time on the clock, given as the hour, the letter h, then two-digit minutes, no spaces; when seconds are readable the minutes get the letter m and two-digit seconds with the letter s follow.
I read 1h47
